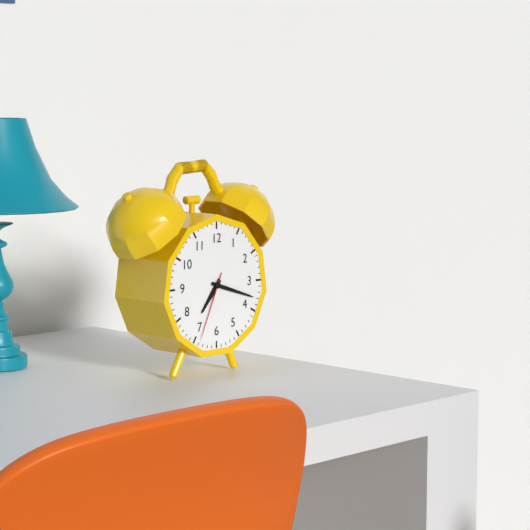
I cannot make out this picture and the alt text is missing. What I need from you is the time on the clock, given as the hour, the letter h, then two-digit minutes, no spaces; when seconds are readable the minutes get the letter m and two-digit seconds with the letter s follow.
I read 7h18m34s
